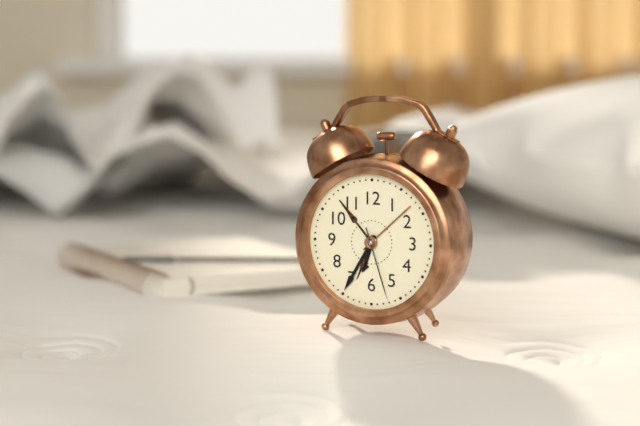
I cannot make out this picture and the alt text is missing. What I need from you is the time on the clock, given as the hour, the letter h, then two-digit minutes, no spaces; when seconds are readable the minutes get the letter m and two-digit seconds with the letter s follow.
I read 6h35m27s
